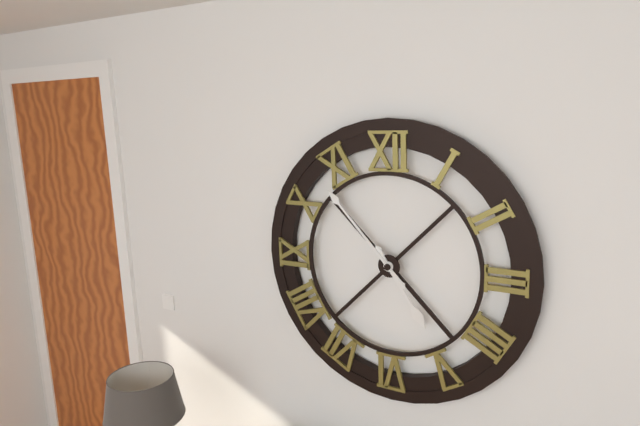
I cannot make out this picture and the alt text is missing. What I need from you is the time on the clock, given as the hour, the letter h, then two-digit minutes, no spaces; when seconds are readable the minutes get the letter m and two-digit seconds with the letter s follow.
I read 4h53
